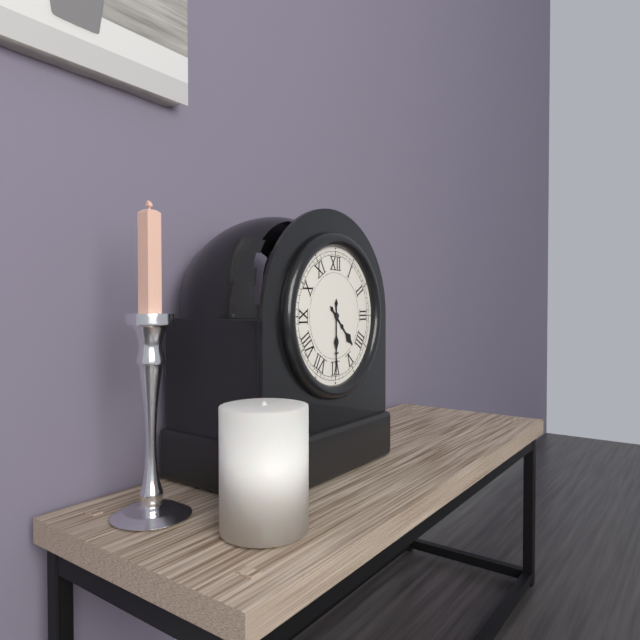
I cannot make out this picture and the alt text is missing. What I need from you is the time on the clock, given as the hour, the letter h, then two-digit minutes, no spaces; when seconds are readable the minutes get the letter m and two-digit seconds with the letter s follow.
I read 4h30
